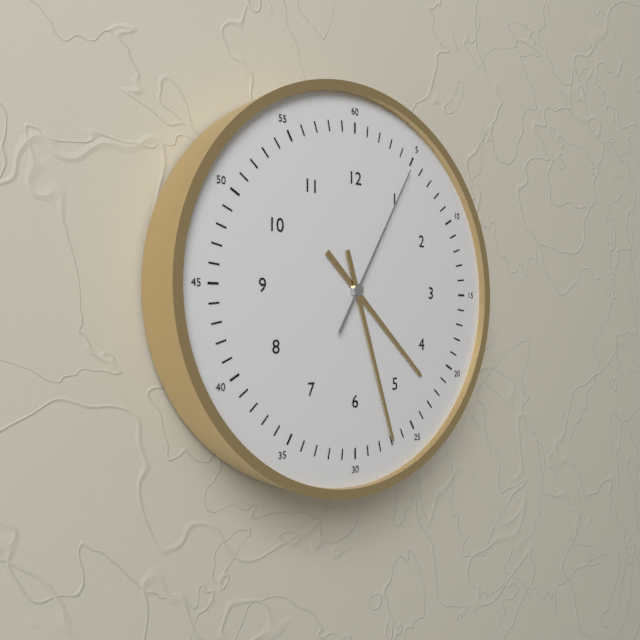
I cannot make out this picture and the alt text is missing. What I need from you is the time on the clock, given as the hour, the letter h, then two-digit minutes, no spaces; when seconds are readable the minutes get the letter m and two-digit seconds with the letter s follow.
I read 4h27m05s
